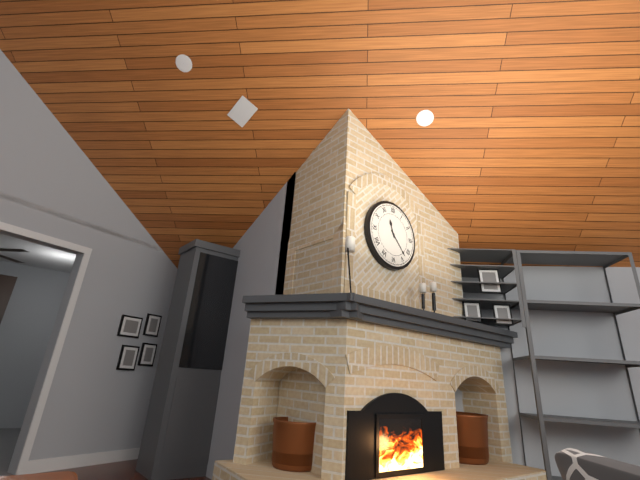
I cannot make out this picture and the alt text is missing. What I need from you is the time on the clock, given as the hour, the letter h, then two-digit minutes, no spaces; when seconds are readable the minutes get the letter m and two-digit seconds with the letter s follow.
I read 11h23
